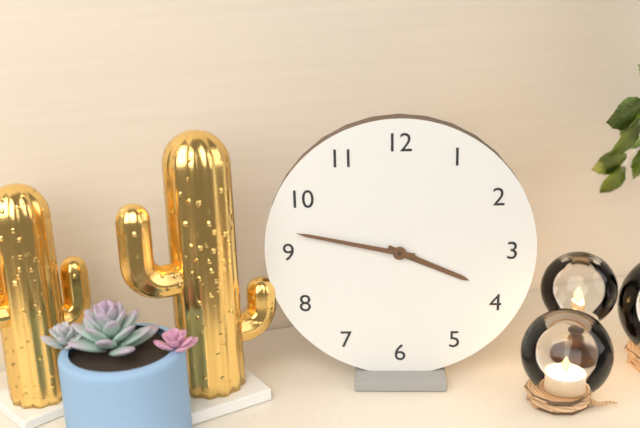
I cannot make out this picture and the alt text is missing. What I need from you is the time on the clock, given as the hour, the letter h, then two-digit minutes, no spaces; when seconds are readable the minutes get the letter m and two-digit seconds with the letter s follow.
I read 3h47
